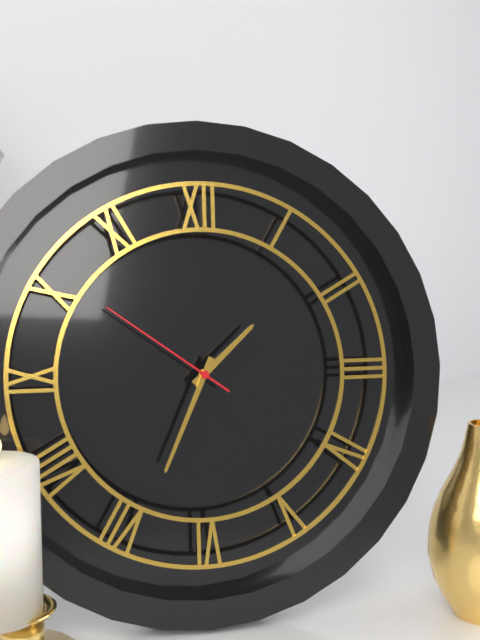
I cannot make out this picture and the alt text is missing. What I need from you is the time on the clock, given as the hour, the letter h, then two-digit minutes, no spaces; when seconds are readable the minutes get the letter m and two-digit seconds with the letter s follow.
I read 1h34m51s
